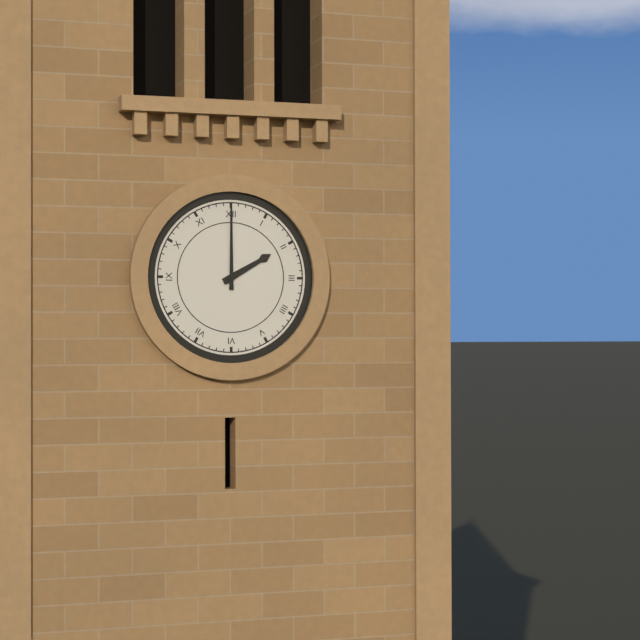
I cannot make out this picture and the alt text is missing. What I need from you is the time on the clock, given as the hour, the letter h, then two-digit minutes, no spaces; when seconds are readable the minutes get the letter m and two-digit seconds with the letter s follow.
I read 2h00
